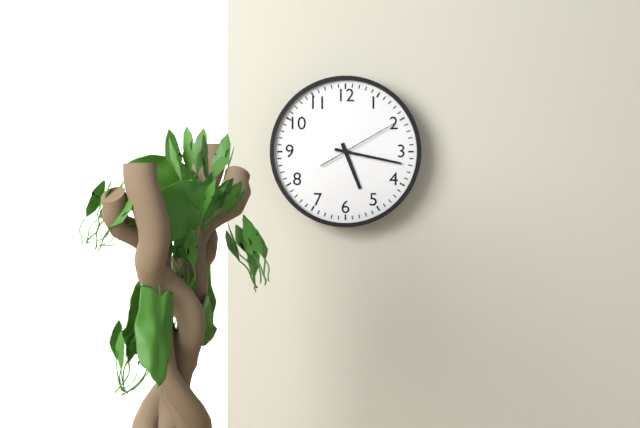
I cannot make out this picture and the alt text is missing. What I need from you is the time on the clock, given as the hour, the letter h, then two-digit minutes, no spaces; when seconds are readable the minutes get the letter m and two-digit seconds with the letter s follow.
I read 5h17m10s
